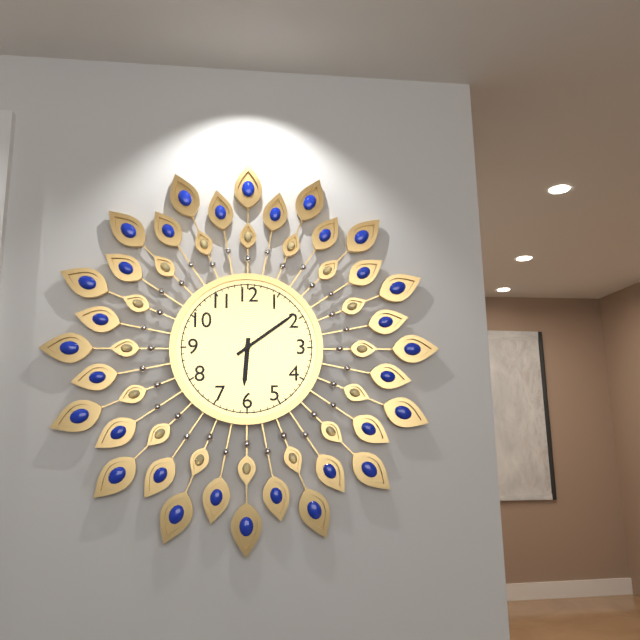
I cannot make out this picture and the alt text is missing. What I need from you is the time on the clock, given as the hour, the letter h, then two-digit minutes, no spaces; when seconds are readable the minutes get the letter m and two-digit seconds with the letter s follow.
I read 6h09
